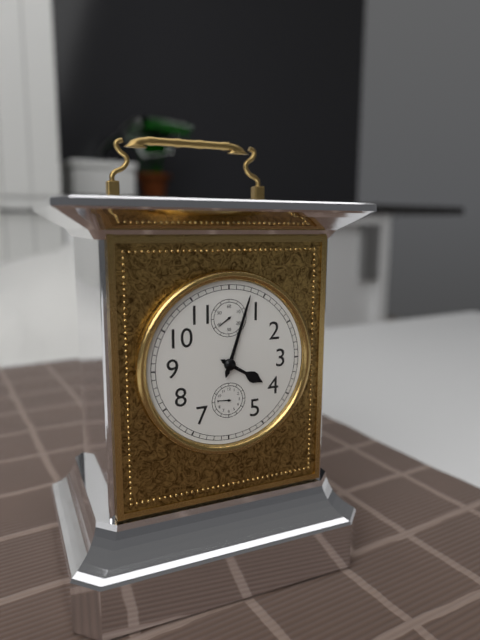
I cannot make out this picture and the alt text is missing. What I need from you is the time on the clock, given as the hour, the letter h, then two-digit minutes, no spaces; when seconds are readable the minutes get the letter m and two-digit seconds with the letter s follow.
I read 4h03
